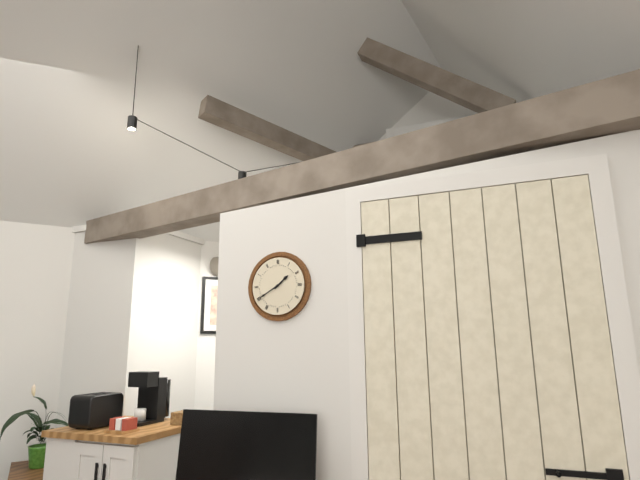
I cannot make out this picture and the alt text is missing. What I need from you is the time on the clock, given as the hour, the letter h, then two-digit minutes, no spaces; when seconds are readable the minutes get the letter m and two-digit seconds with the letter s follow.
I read 1h40
